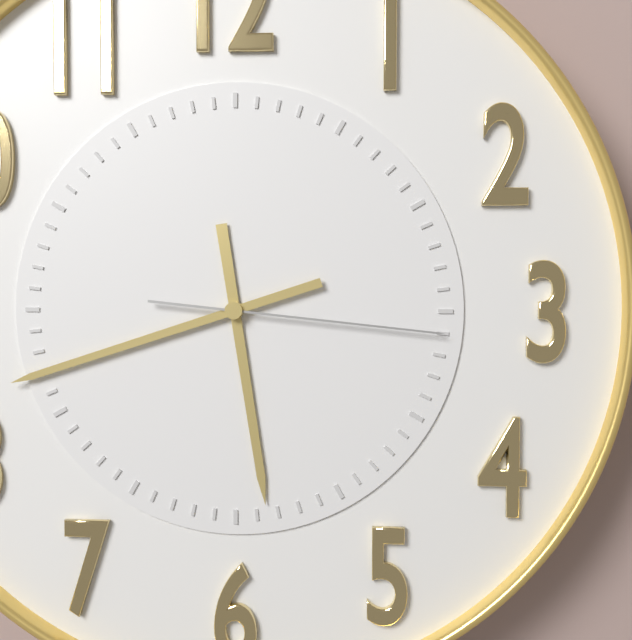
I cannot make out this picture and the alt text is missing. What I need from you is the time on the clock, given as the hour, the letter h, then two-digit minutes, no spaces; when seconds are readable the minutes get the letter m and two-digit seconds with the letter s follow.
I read 5h42m16s
